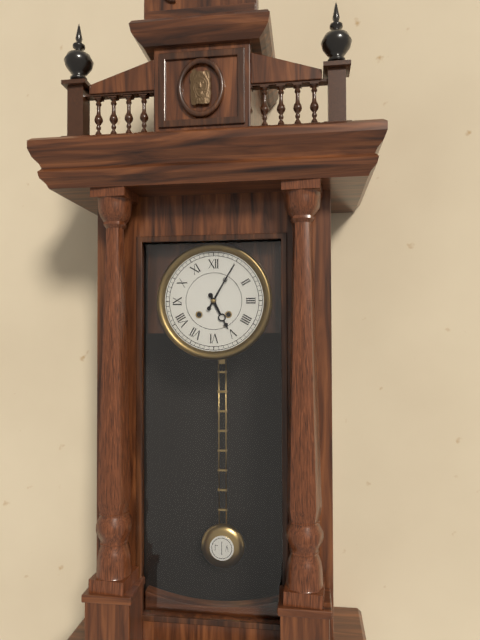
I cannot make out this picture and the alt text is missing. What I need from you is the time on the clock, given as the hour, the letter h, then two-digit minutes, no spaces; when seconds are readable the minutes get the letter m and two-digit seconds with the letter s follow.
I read 5h05
